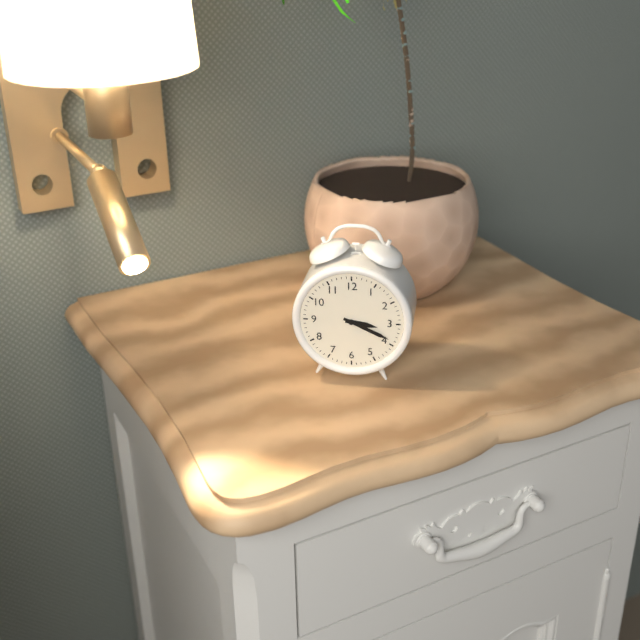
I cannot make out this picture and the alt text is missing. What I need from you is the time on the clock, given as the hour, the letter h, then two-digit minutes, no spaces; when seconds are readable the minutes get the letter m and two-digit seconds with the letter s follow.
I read 3h19
